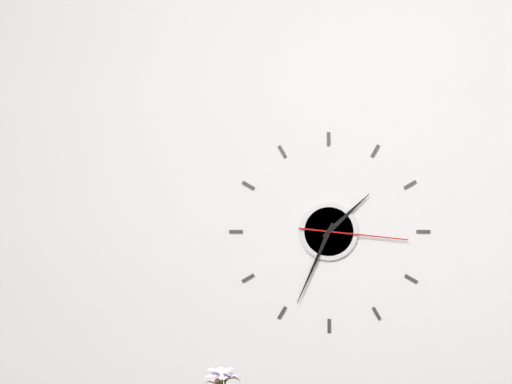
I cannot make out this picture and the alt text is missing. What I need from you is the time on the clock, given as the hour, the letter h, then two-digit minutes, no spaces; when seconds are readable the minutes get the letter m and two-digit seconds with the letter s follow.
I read 1h34m16s
